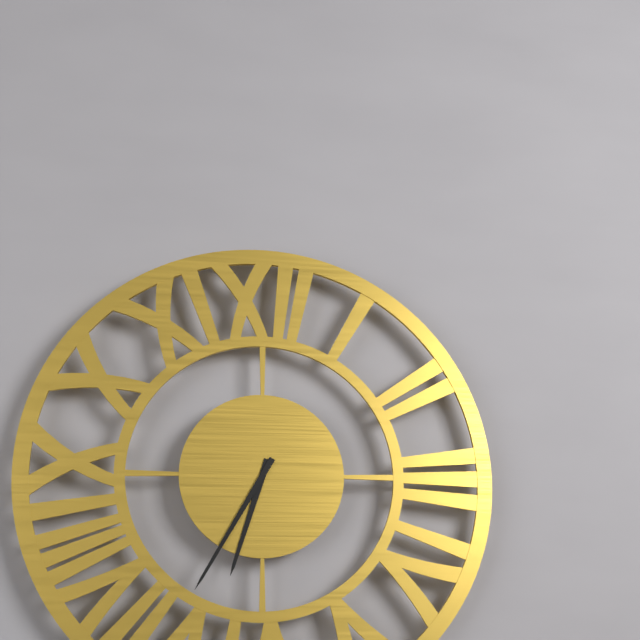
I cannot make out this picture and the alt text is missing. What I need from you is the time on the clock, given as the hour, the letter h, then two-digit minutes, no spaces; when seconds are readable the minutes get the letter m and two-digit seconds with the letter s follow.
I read 6h35
